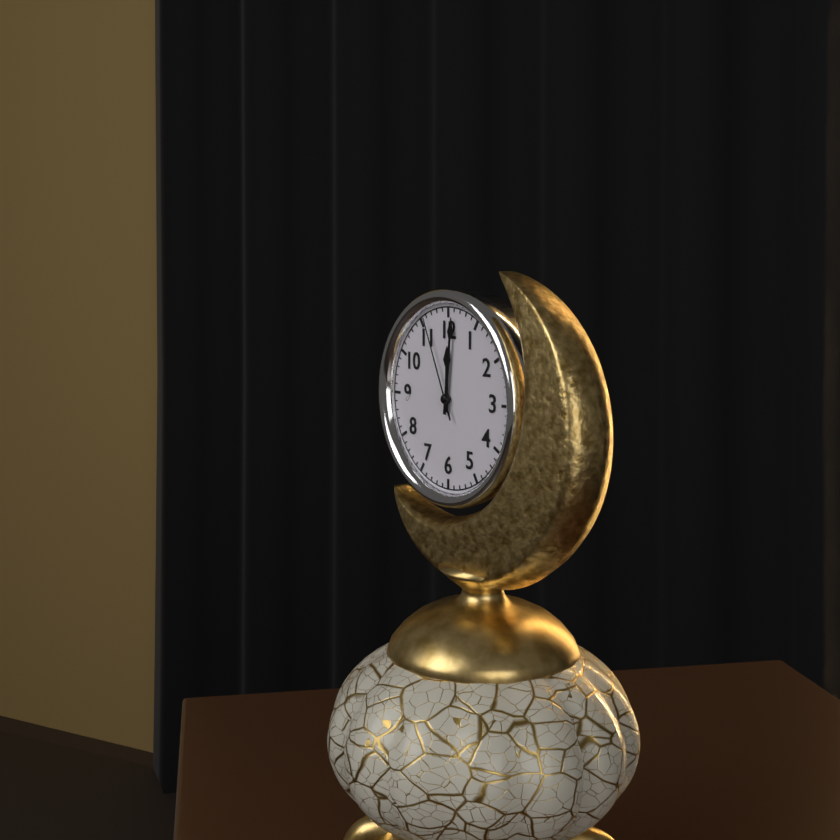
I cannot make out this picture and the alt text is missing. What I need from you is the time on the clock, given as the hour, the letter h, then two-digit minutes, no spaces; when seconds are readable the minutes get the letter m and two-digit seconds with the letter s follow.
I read 12h01m56s
